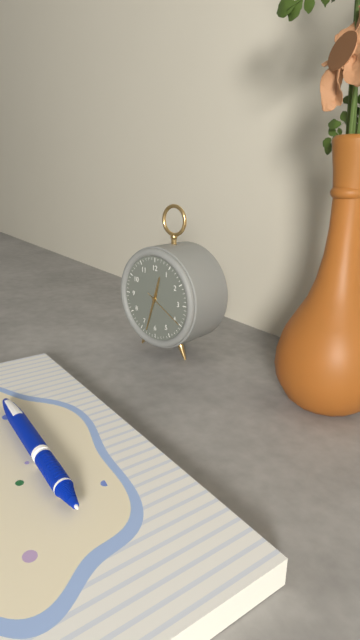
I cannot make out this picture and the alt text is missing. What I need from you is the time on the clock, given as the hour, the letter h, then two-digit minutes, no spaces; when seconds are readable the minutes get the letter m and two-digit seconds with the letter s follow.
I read 12h33
